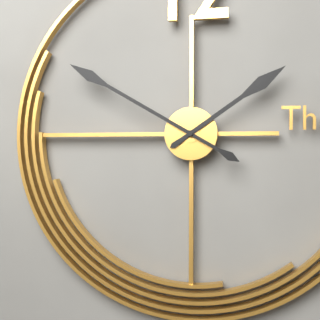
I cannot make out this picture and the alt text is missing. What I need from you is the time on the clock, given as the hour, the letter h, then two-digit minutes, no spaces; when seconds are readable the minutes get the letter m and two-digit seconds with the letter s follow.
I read 1h50
